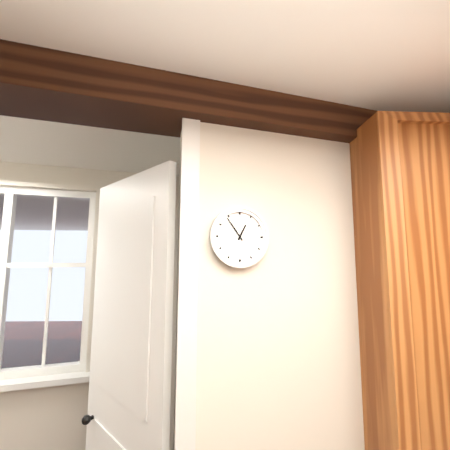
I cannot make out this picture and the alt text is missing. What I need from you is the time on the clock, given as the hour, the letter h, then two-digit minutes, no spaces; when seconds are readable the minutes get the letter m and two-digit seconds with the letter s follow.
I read 12h54
